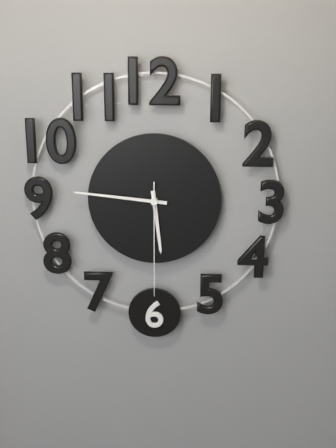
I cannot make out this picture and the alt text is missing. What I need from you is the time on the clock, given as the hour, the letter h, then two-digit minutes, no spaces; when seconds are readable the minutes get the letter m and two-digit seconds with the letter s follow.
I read 5h46m30s
